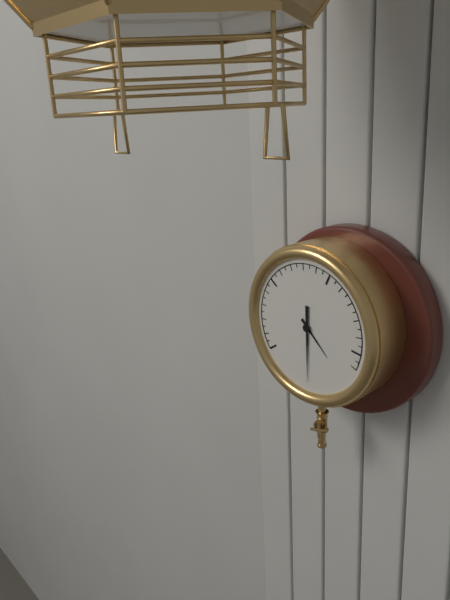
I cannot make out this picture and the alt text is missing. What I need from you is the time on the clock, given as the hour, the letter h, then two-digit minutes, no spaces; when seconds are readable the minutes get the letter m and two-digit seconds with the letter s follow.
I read 4h30
